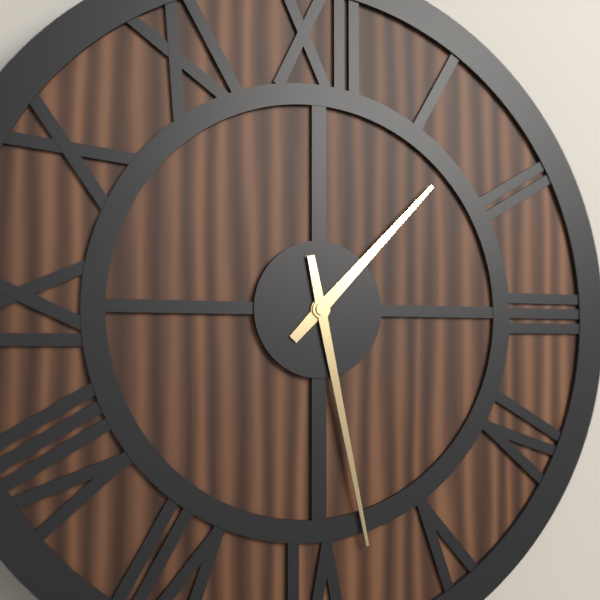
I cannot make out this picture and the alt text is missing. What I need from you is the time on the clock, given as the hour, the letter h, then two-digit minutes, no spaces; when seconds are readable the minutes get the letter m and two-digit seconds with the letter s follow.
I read 1h28
